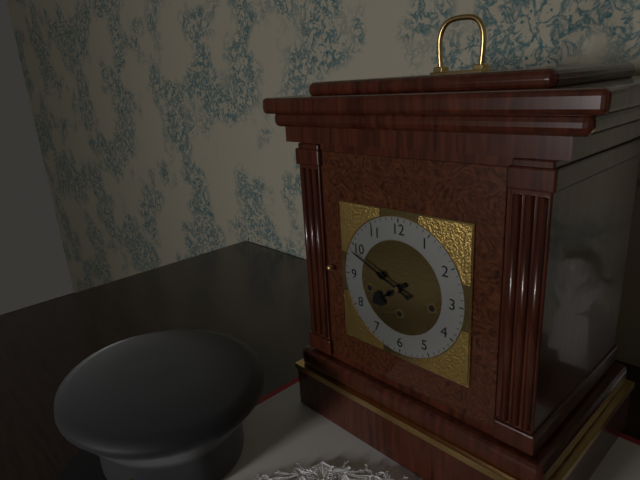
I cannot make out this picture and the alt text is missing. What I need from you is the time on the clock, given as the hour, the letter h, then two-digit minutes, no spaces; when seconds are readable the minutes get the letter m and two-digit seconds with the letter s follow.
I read 7h49
